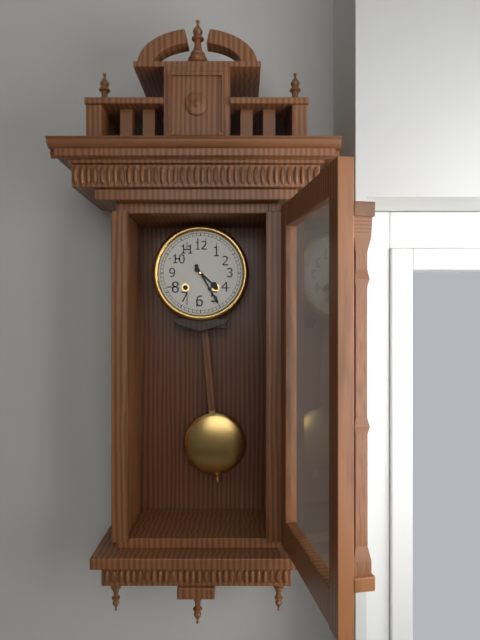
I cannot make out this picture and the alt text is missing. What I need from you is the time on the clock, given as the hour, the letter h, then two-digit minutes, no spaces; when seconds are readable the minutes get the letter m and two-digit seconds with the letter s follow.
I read 4h25
